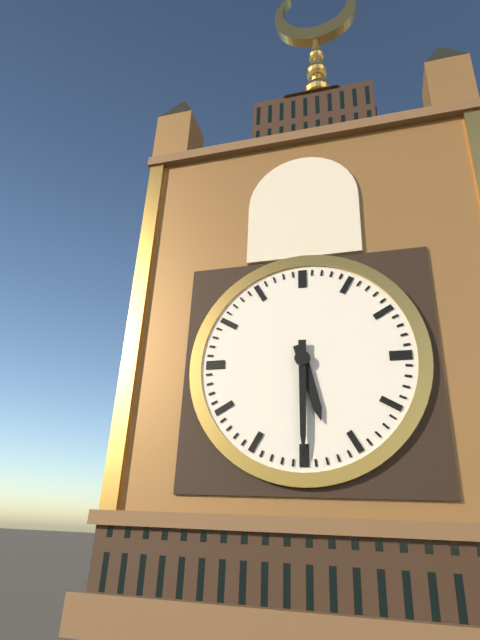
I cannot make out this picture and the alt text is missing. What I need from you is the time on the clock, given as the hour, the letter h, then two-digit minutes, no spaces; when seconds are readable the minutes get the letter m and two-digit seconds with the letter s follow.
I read 5h30
